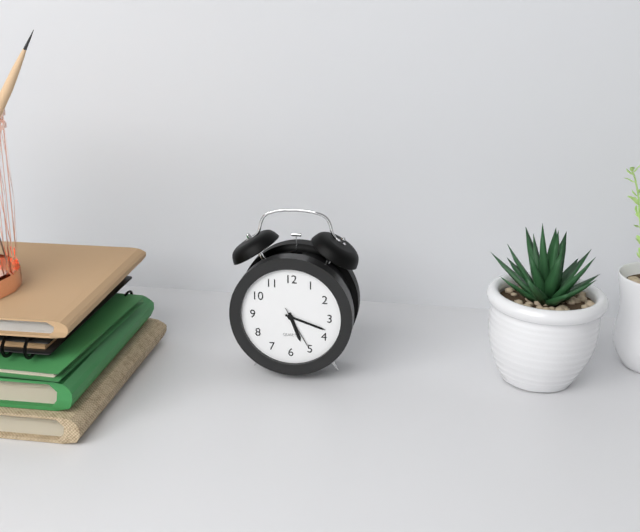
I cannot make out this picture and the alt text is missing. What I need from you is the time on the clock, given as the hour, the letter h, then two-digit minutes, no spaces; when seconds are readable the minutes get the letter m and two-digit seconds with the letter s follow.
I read 5h18
